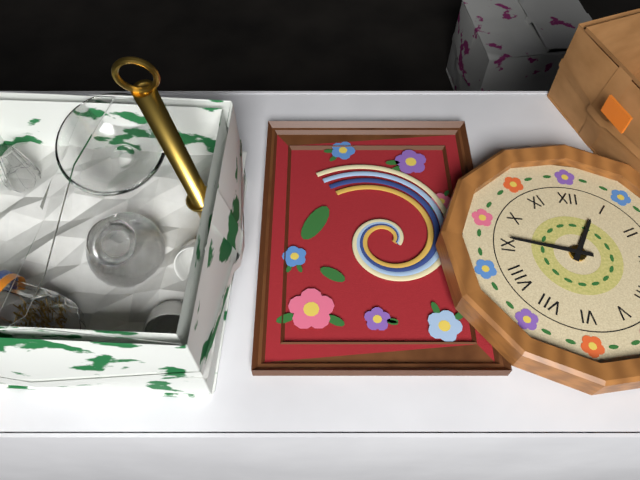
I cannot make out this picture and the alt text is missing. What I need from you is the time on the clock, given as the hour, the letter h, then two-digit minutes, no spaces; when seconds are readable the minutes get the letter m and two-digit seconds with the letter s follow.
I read 12h46
